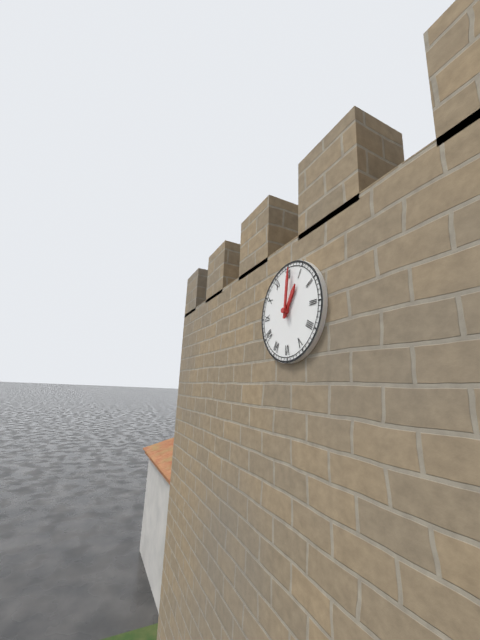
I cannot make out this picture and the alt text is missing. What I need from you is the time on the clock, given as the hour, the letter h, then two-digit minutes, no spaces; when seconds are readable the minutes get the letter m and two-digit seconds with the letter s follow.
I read 1h01
